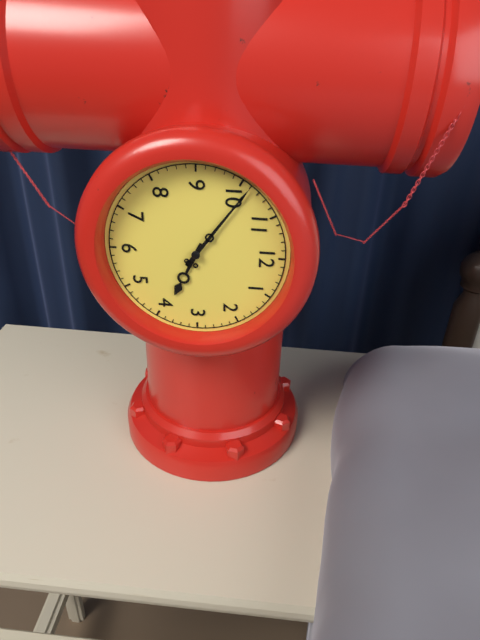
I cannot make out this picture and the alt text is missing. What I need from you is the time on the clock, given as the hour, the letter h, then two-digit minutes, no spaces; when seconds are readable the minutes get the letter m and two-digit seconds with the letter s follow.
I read 3h51
